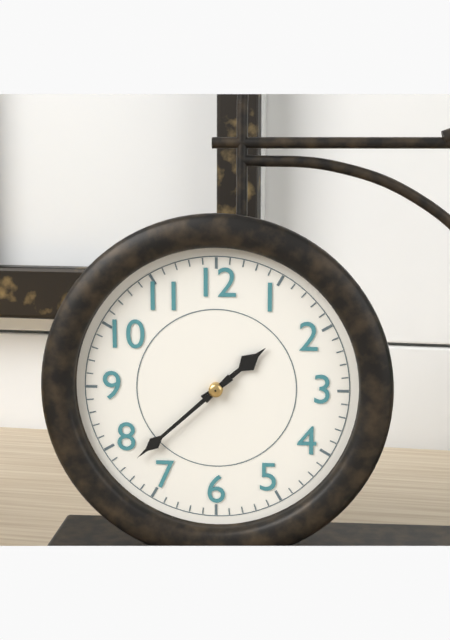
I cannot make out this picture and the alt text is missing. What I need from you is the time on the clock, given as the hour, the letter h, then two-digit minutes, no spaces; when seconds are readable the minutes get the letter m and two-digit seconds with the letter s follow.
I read 1h38
